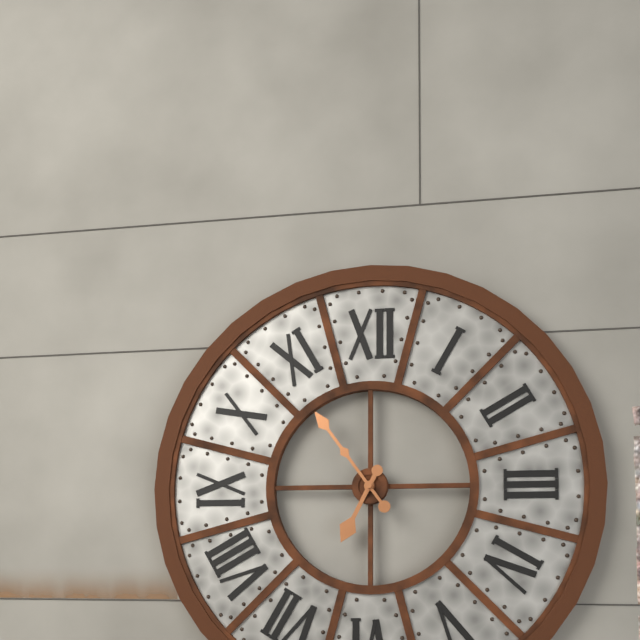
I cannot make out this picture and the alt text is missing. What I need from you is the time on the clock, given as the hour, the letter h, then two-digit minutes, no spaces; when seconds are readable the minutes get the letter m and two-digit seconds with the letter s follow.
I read 6h54
